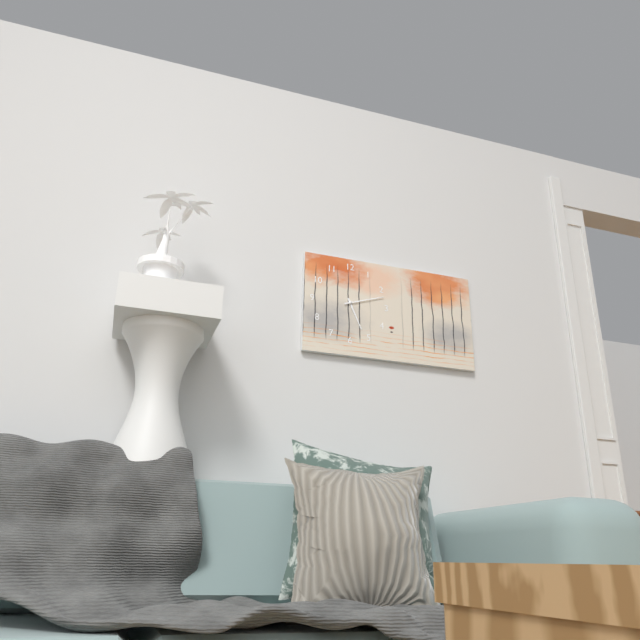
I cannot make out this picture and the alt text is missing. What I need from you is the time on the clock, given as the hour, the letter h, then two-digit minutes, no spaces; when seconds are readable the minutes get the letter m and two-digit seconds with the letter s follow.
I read 5h12
